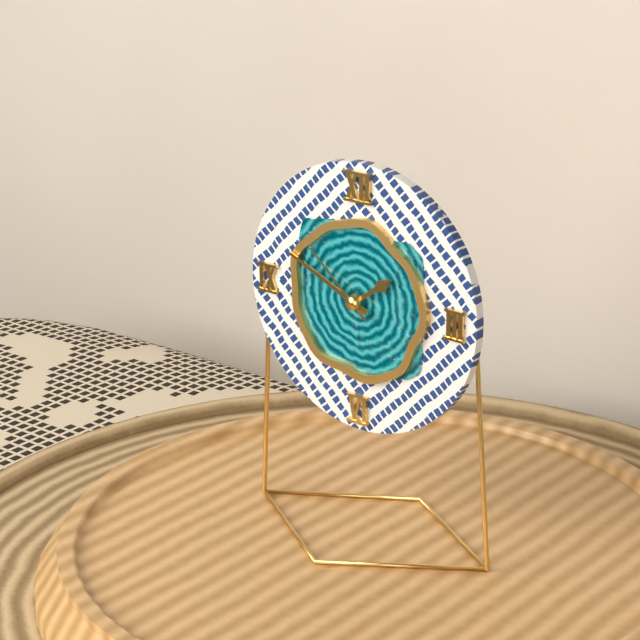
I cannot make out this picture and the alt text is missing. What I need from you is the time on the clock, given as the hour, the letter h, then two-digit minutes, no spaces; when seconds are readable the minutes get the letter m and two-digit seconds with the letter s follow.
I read 1h49m52s
